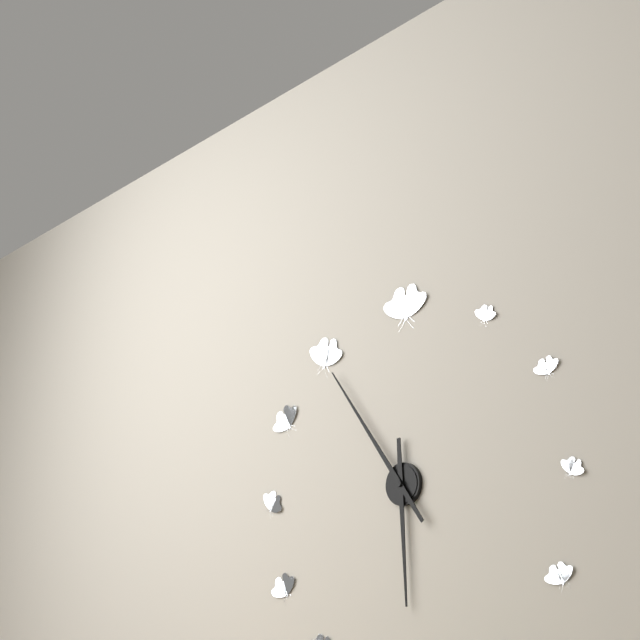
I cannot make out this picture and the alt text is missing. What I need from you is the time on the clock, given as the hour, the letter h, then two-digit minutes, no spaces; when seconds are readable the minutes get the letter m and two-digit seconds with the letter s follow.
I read 5h54
